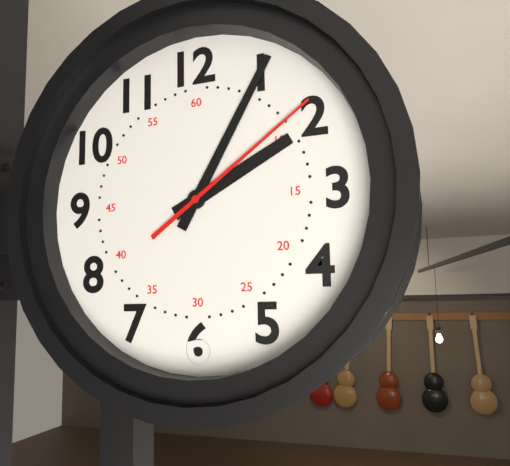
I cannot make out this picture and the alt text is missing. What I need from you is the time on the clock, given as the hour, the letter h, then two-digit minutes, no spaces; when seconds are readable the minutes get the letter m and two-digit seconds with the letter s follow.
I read 2h05m09s
